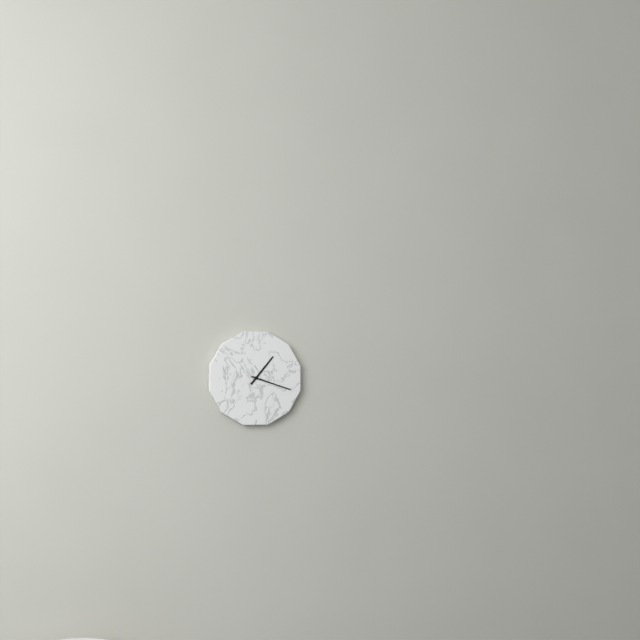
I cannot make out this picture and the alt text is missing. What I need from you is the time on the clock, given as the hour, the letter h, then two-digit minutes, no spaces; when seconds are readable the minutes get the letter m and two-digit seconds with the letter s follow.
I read 1h18
